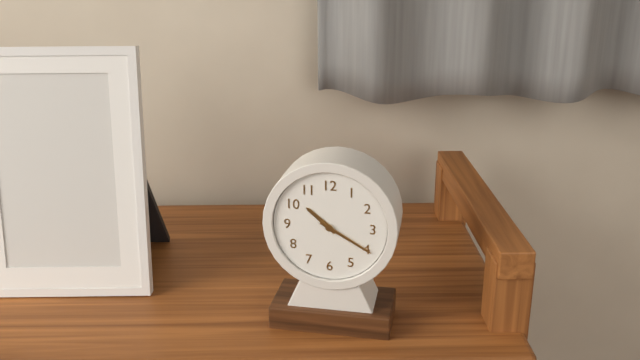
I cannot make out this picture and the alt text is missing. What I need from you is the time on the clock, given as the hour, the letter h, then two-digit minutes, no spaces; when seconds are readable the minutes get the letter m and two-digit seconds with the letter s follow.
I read 10h20
